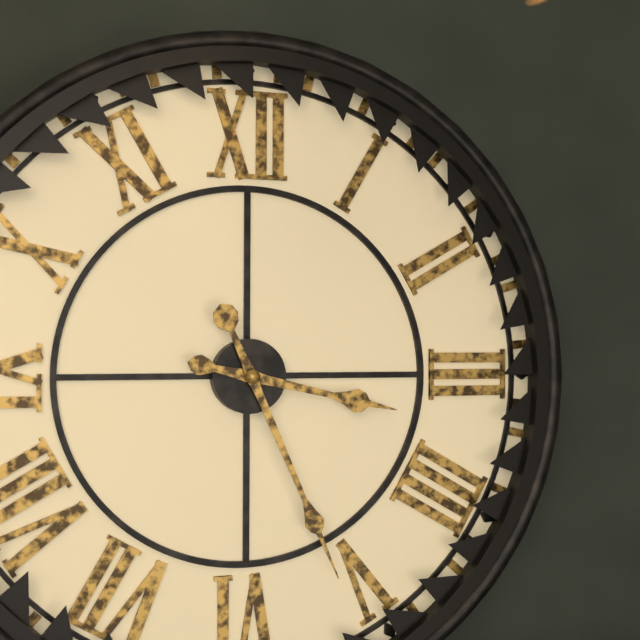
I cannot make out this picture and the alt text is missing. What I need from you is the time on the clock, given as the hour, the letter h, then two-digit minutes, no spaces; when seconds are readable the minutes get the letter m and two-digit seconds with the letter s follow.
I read 3h26
